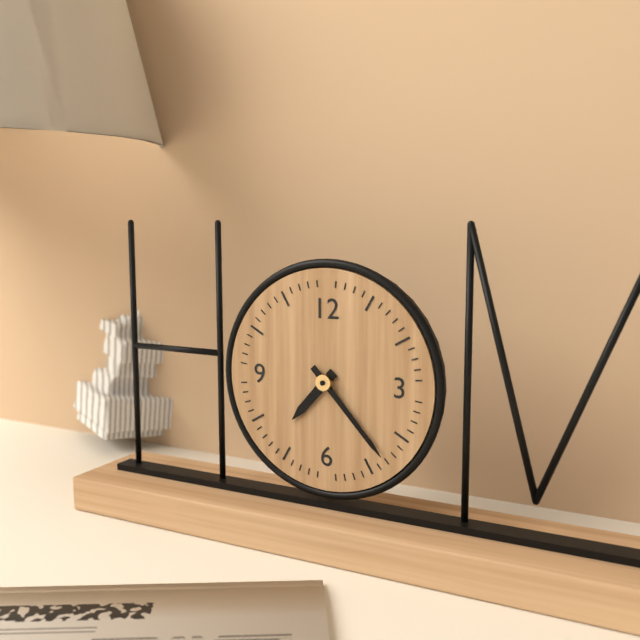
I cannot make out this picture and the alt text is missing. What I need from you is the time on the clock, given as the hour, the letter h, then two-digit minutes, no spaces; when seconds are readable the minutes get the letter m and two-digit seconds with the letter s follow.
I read 7h23
